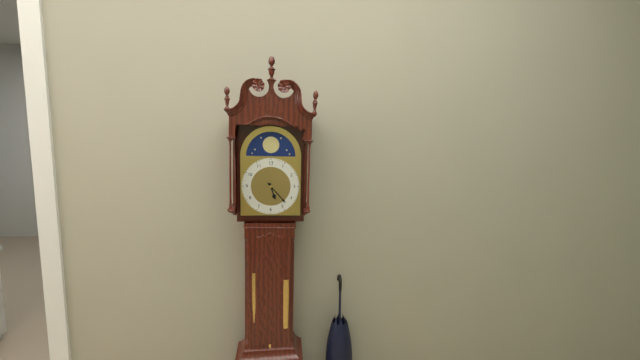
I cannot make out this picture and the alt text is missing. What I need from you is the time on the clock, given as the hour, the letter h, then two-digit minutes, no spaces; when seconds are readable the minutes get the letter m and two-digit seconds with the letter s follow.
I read 5h23
